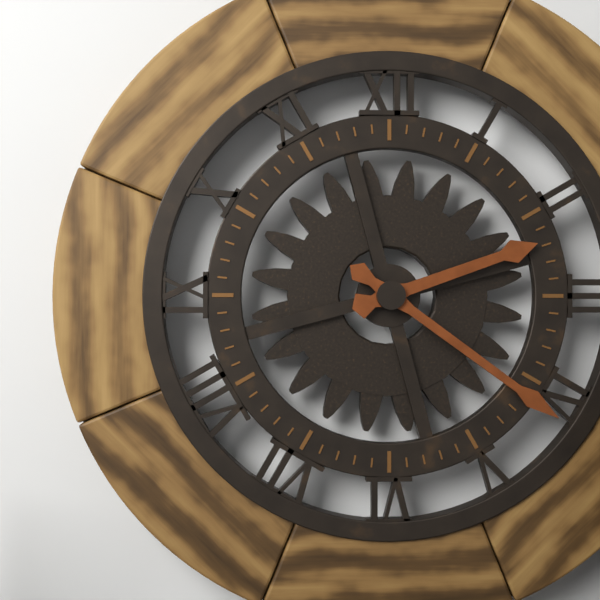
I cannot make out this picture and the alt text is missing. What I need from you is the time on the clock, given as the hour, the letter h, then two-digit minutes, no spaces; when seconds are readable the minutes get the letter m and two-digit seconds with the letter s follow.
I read 2h21
